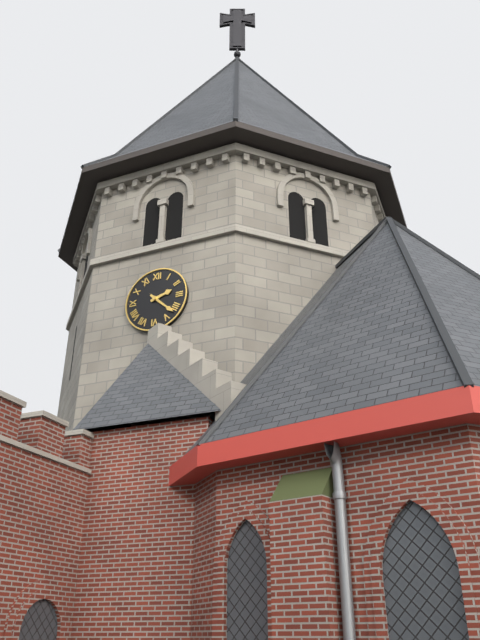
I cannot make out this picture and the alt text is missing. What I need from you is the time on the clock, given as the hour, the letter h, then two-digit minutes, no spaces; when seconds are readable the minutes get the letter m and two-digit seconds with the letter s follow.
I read 2h22
